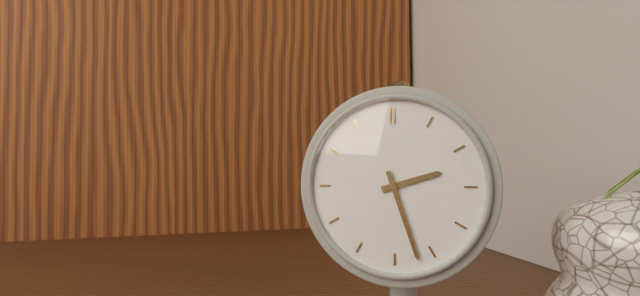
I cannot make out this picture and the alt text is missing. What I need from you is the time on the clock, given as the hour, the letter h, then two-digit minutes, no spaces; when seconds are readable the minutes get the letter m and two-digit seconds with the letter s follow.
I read 2h27
